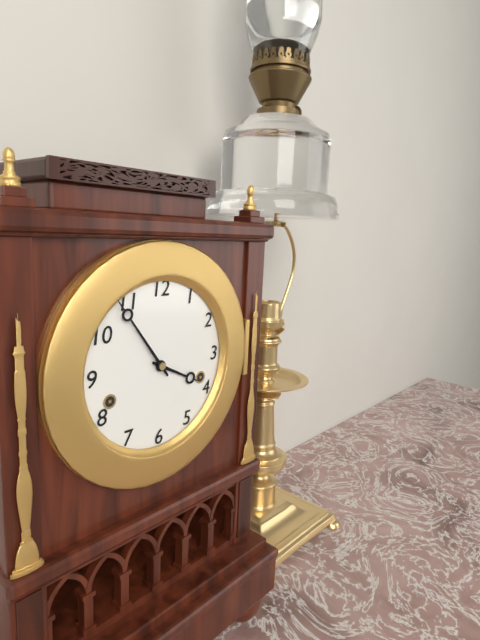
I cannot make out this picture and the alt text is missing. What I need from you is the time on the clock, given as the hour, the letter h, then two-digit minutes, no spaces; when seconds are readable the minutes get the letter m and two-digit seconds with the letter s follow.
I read 3h54
